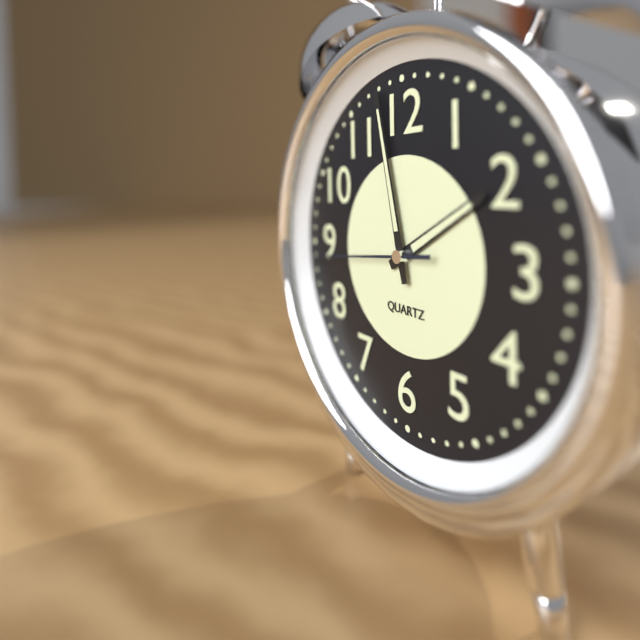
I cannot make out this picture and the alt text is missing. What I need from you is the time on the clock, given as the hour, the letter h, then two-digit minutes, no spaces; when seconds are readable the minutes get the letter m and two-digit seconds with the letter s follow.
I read 1h58m44s
